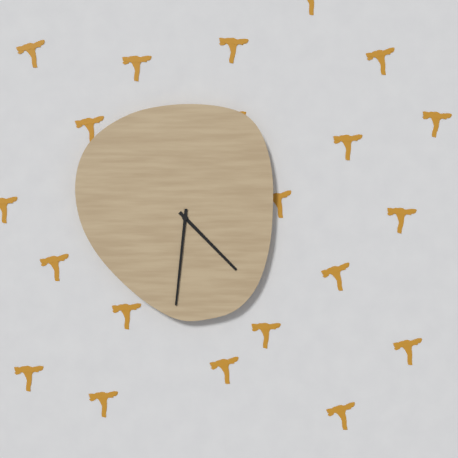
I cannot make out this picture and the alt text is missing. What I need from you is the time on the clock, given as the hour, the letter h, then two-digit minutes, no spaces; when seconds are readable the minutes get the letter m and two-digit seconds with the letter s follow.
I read 4h31
